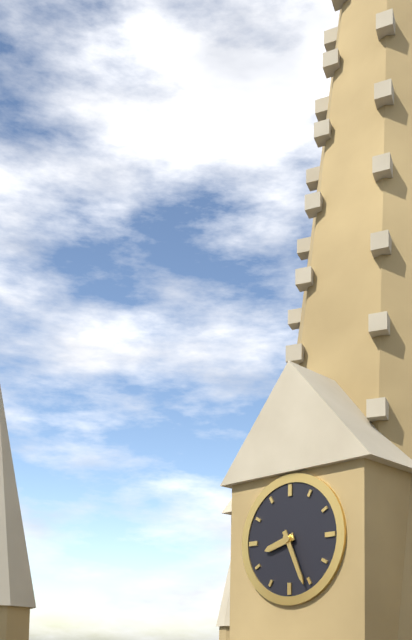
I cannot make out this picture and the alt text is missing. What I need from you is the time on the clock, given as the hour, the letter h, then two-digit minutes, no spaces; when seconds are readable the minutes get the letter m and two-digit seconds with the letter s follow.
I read 8h26
